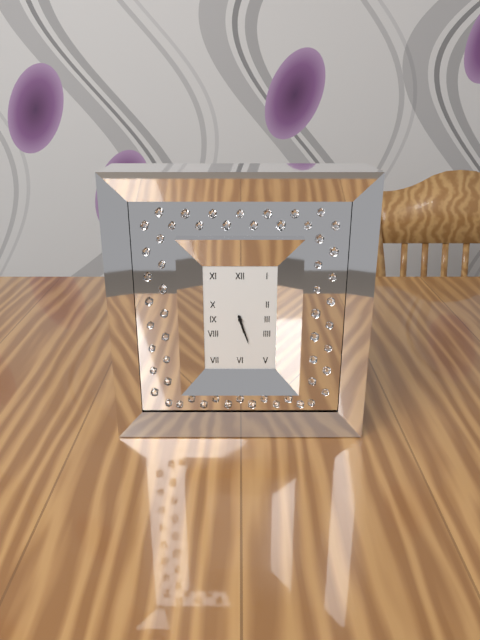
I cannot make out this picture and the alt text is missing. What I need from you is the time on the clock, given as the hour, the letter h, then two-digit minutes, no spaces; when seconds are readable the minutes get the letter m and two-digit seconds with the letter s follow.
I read 5h27
